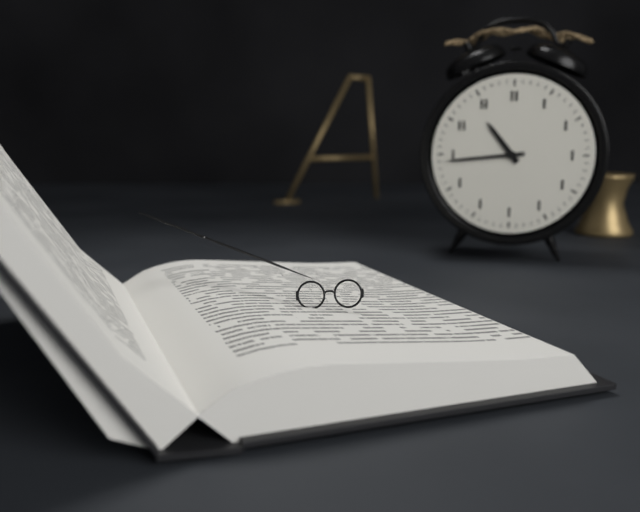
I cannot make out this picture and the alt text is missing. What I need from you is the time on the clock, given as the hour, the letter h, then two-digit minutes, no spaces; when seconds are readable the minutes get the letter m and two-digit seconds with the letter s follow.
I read 10h44
